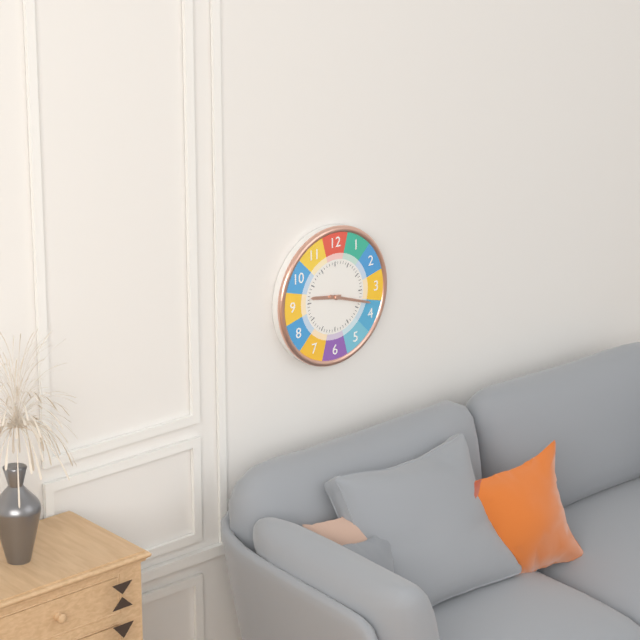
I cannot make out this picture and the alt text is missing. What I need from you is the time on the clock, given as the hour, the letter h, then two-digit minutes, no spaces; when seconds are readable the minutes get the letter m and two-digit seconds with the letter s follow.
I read 9h18
